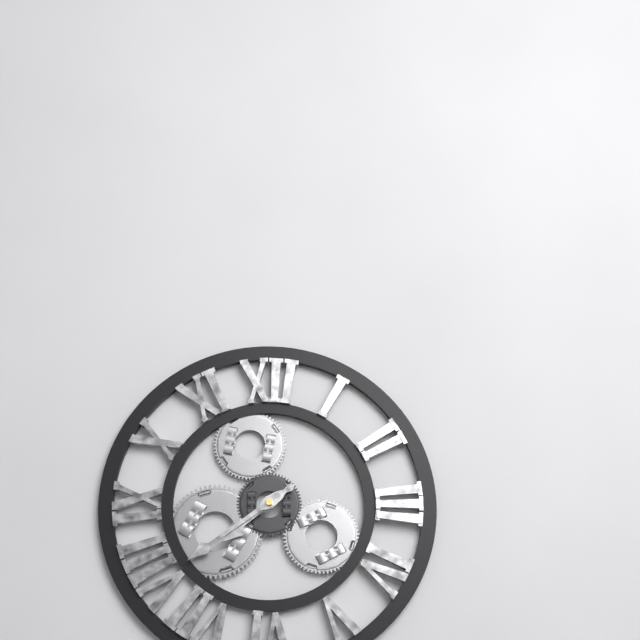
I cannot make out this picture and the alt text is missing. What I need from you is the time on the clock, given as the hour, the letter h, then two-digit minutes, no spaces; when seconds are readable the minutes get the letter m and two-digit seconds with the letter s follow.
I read 7h39
